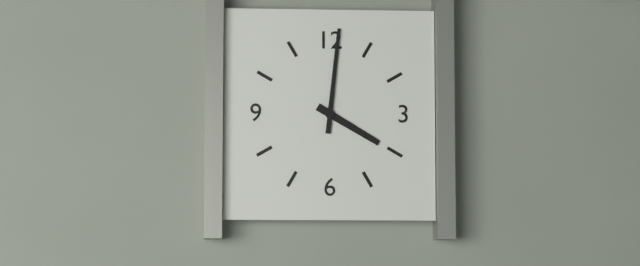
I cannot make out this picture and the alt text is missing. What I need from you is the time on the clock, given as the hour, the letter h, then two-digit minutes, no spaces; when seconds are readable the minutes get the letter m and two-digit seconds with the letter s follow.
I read 4h01
